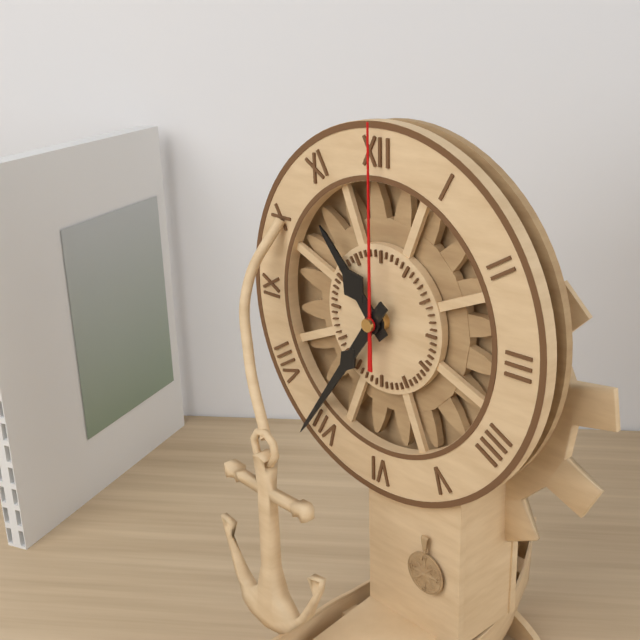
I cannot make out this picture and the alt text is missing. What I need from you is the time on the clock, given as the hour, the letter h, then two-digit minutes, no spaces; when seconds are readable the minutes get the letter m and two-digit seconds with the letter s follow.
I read 10h36m00s
